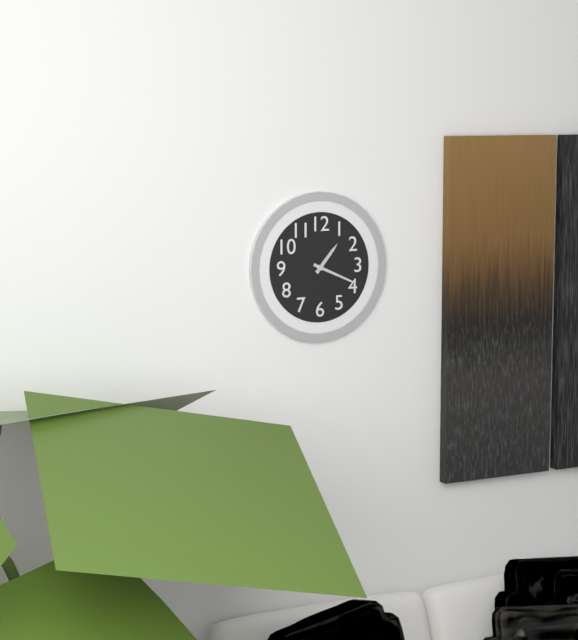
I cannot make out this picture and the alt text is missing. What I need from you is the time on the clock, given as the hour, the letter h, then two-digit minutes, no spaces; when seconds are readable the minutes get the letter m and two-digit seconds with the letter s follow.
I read 1h19
